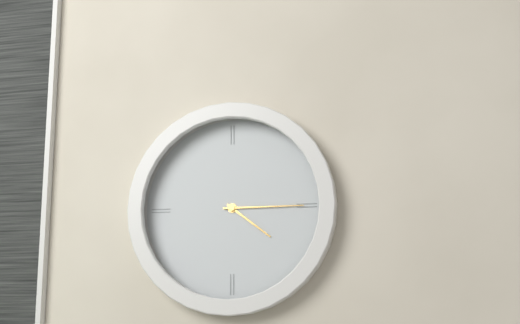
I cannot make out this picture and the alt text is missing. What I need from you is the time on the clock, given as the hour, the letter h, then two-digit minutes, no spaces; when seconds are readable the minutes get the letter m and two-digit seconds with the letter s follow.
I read 4h15
